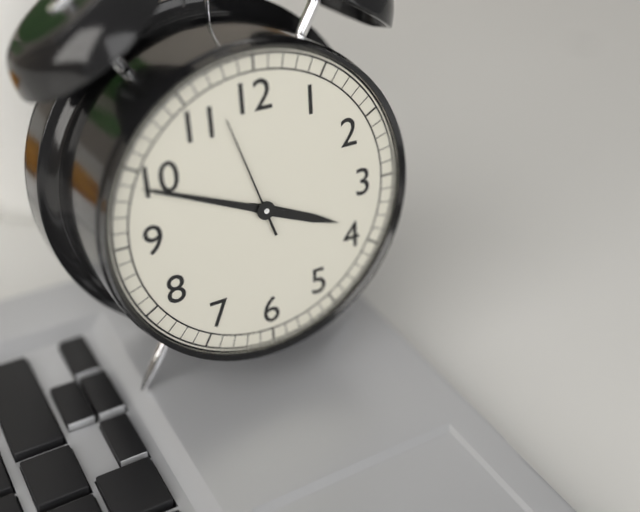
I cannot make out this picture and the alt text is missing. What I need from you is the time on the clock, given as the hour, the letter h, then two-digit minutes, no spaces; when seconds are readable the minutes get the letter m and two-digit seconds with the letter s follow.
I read 3h49m57s
